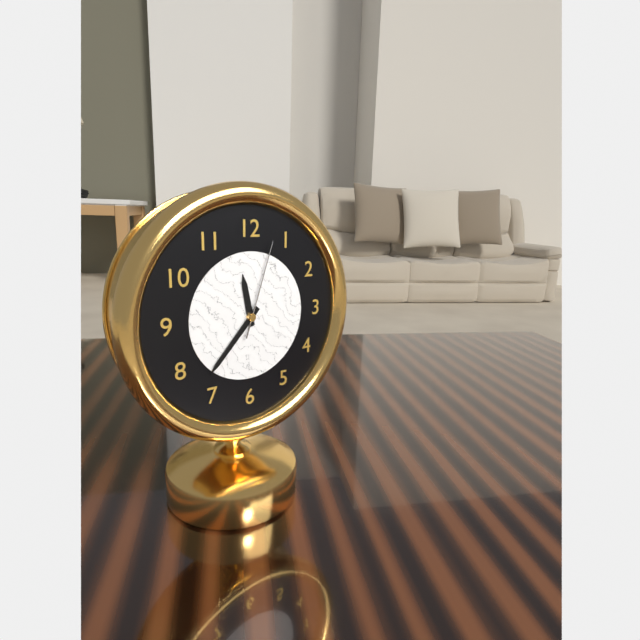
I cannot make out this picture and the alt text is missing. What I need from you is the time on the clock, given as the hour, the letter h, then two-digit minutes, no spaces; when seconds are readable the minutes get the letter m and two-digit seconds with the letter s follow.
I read 11h37m03s
